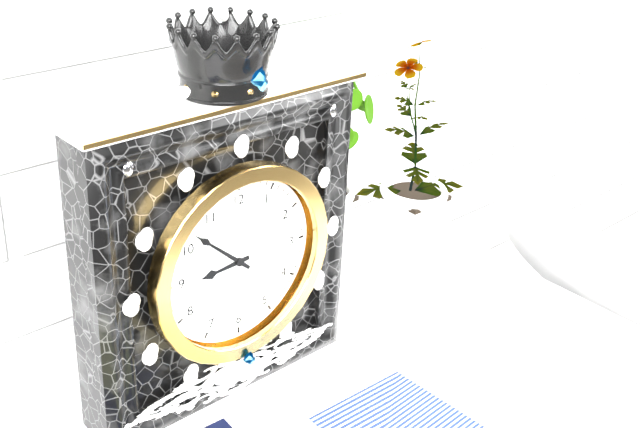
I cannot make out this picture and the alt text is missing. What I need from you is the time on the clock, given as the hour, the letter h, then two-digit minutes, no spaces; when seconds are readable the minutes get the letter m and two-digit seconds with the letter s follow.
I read 8h52
